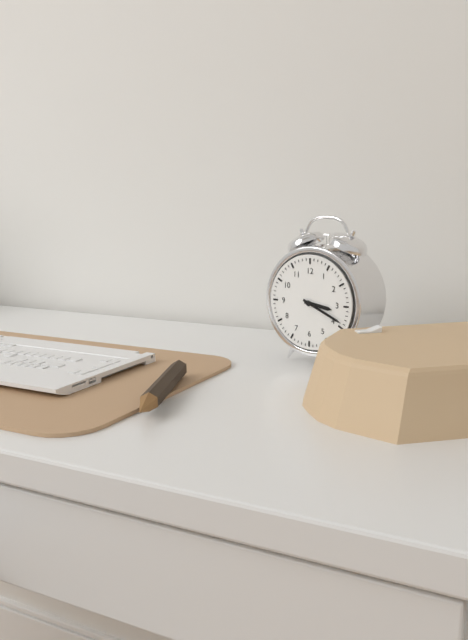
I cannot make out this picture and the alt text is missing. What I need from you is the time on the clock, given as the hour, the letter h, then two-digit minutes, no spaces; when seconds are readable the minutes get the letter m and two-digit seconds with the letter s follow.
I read 3h19
